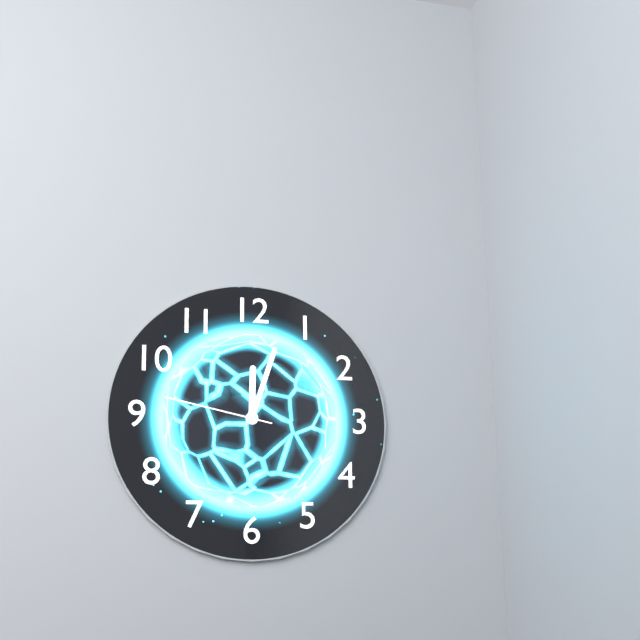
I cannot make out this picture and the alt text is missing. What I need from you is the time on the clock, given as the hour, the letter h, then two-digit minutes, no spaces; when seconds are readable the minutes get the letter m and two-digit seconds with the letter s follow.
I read 12h03m47s
